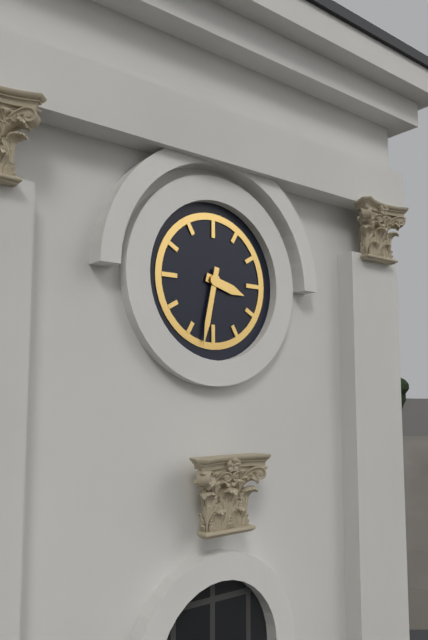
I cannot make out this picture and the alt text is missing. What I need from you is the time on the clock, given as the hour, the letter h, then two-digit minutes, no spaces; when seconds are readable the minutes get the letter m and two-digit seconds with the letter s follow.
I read 3h32
